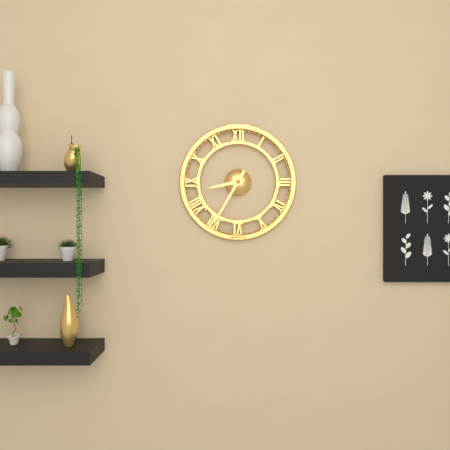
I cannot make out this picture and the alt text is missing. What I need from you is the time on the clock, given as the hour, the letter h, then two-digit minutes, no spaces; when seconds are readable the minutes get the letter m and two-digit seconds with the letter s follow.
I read 8h35
